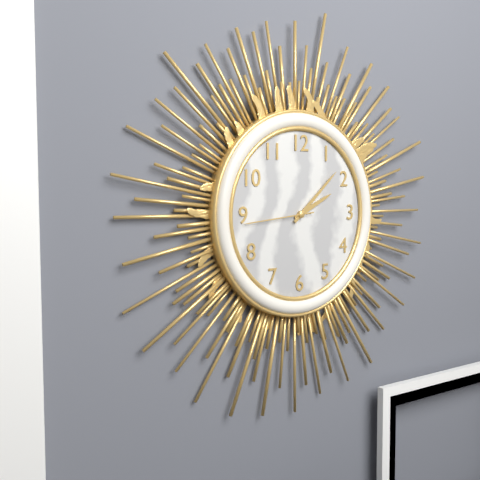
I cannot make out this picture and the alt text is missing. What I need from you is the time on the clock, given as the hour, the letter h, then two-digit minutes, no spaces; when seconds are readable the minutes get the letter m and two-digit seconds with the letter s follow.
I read 2h08m44s
